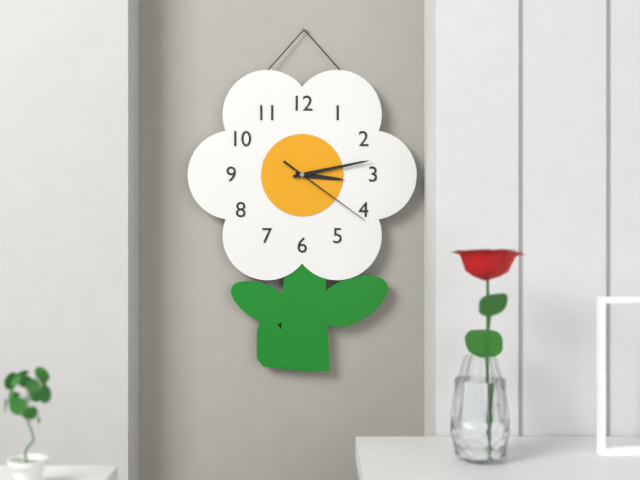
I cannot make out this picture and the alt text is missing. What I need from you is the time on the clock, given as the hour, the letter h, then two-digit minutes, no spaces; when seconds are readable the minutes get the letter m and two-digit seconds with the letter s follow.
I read 3h13m21s
